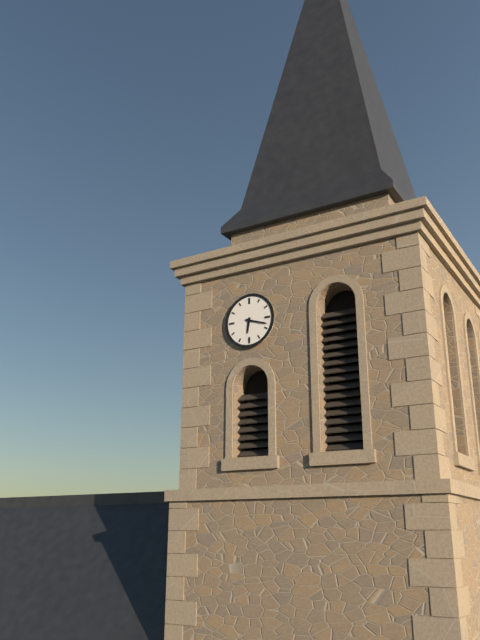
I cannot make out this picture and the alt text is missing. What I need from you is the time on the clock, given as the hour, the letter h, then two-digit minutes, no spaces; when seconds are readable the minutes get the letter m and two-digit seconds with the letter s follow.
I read 6h18
